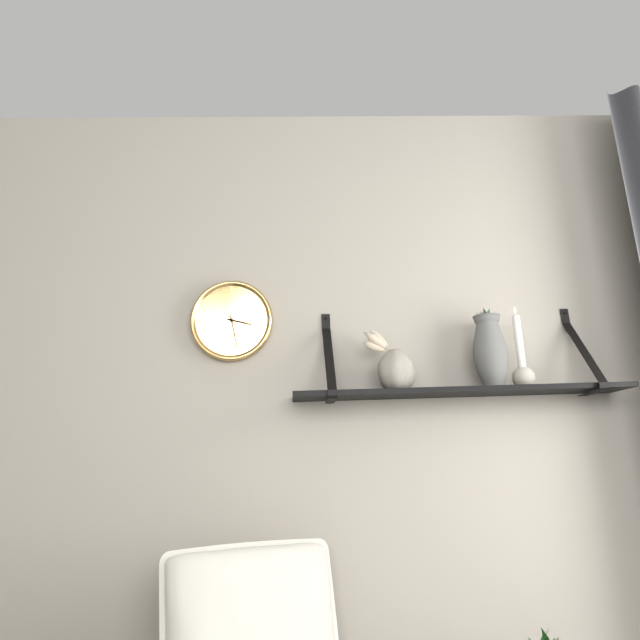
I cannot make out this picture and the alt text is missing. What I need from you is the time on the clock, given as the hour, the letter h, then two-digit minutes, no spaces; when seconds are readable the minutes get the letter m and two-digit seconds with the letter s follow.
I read 3h28
